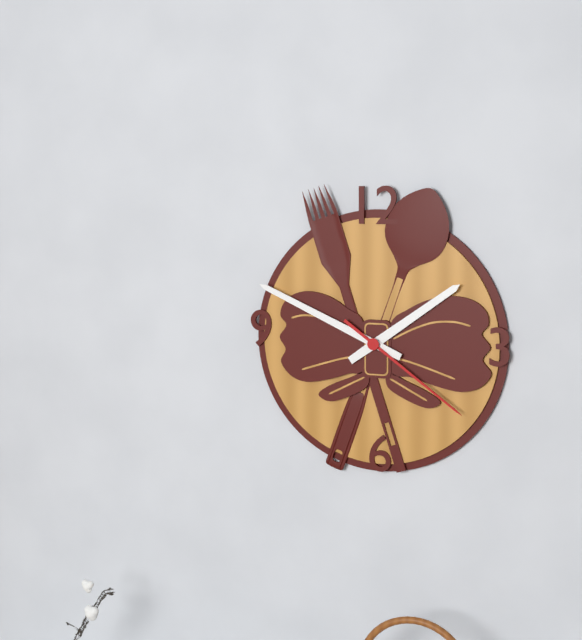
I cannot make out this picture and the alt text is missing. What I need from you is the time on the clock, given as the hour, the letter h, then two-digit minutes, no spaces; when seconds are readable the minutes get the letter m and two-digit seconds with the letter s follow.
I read 1h49m21s
